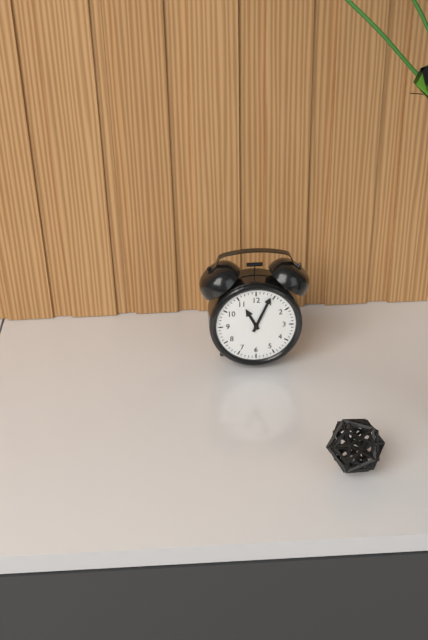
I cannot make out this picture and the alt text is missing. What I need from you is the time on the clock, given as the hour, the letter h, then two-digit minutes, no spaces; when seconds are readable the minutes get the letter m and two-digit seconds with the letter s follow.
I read 11h04
